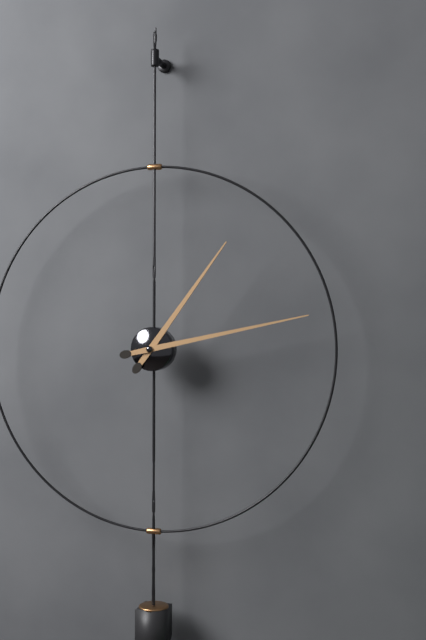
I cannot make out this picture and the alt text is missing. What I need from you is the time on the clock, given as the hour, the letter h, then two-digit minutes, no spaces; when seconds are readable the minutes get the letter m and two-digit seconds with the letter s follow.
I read 1h13
